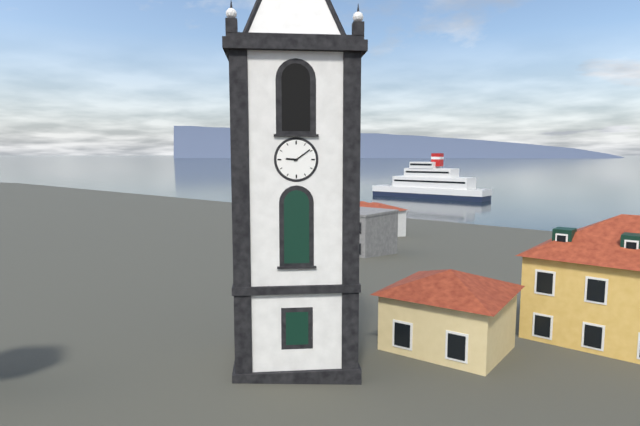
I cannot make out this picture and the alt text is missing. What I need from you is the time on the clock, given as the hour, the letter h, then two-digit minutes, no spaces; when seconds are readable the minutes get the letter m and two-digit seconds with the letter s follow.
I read 9h09
